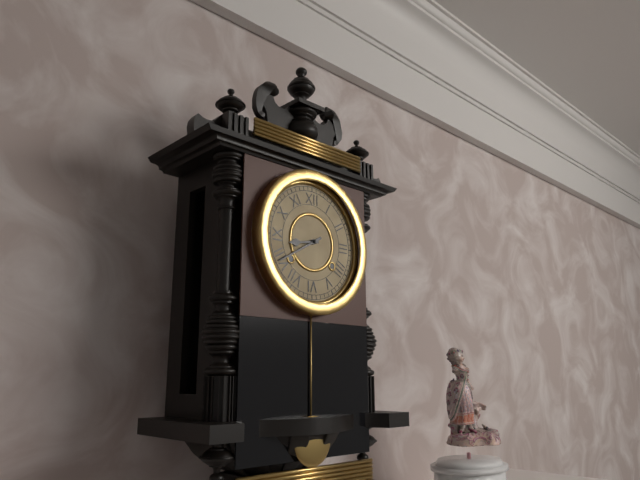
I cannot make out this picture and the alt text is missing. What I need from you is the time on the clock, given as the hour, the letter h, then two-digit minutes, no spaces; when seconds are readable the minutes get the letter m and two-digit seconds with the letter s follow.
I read 8h40
